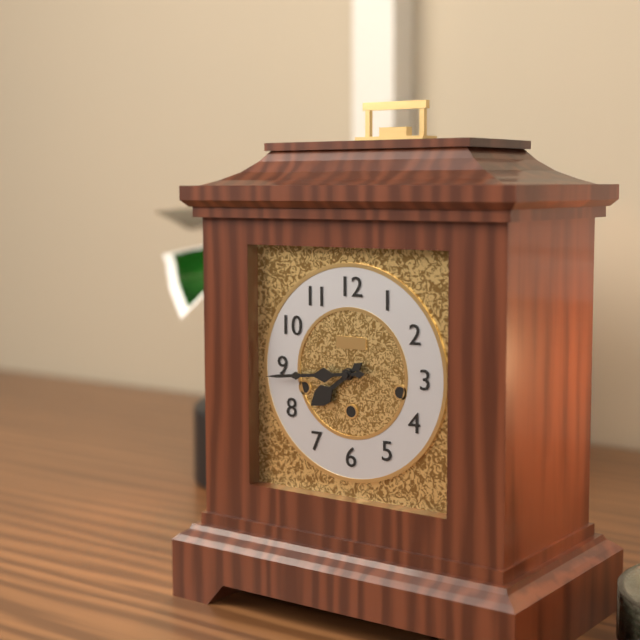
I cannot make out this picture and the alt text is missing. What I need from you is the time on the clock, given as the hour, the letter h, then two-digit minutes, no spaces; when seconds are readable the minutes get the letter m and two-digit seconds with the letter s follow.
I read 7h44
